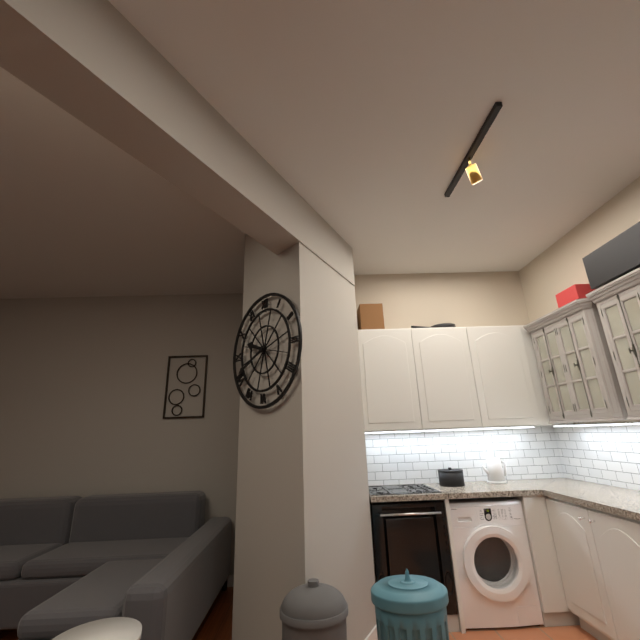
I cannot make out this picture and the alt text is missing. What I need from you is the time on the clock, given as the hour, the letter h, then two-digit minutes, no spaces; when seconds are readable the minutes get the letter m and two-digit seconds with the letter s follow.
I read 9h41
